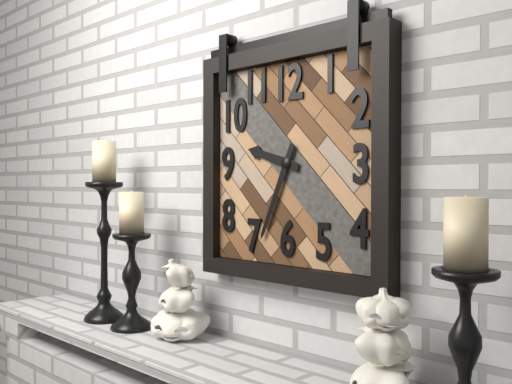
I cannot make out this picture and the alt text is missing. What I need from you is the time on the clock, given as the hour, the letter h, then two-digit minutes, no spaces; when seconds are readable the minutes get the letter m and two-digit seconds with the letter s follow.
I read 9h34
